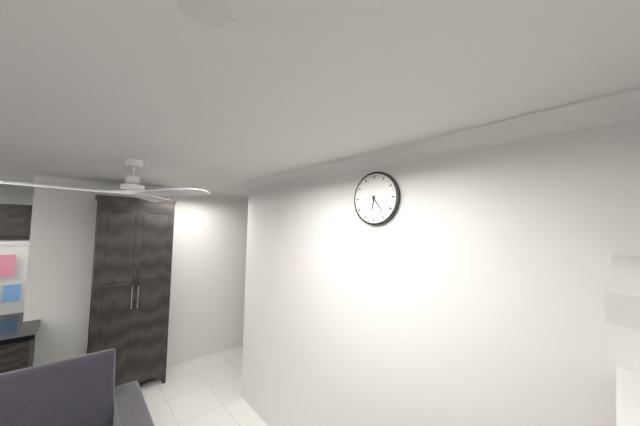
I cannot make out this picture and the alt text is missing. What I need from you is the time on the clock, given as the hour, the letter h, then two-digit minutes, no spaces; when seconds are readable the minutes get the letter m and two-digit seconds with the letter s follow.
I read 6h24
